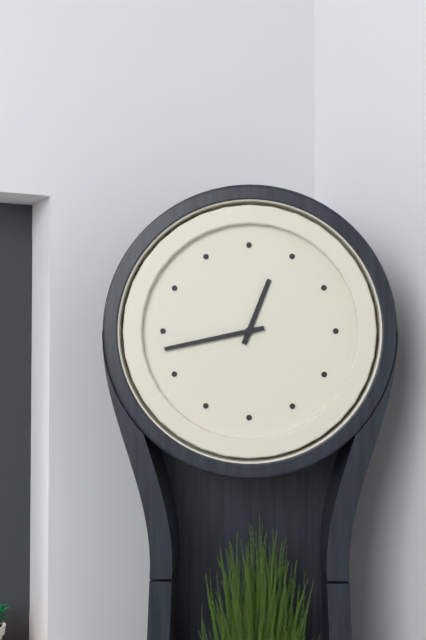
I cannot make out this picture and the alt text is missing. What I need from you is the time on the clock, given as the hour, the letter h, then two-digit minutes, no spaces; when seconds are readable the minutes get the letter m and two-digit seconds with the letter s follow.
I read 12h43
